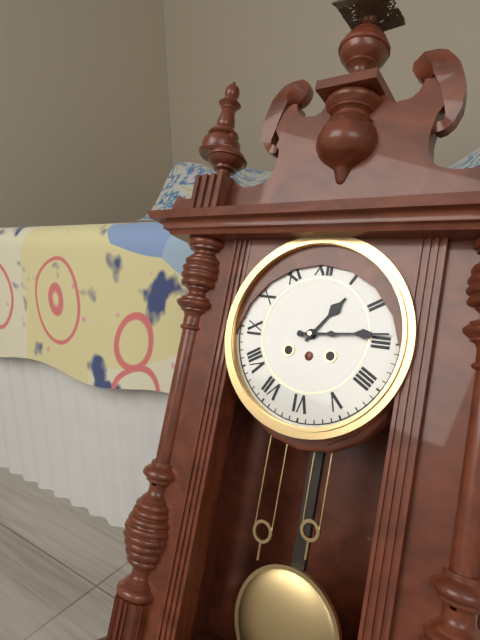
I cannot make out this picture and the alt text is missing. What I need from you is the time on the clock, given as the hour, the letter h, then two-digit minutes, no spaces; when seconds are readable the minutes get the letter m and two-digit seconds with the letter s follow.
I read 1h14
